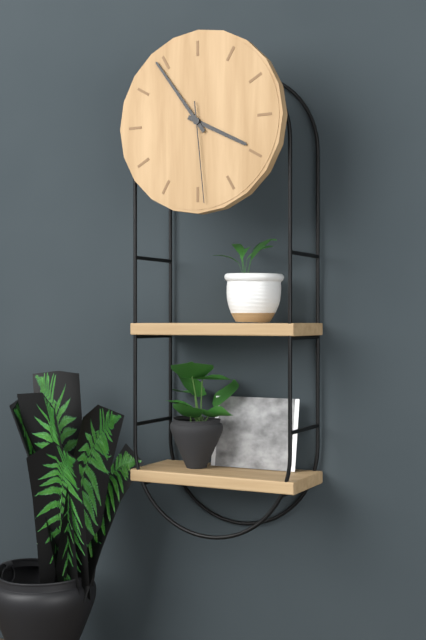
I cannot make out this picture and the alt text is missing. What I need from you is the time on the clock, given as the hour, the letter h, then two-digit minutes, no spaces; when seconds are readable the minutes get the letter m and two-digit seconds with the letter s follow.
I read 3h54m29s
